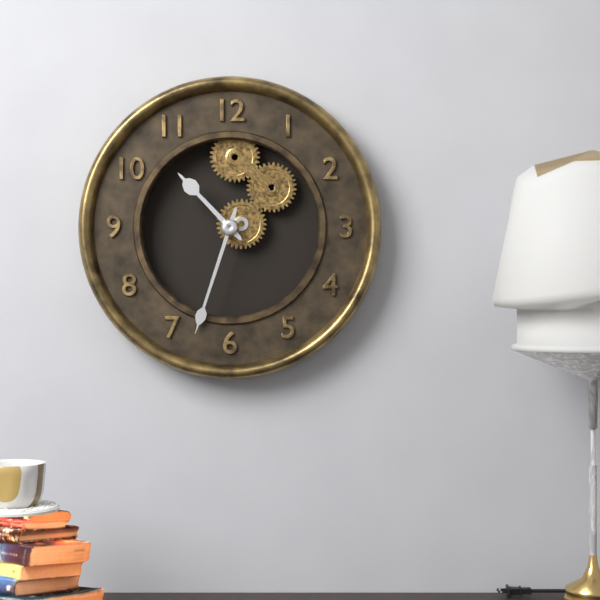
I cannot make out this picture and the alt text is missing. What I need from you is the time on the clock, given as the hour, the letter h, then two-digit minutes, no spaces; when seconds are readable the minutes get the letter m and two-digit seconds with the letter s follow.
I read 10h33
